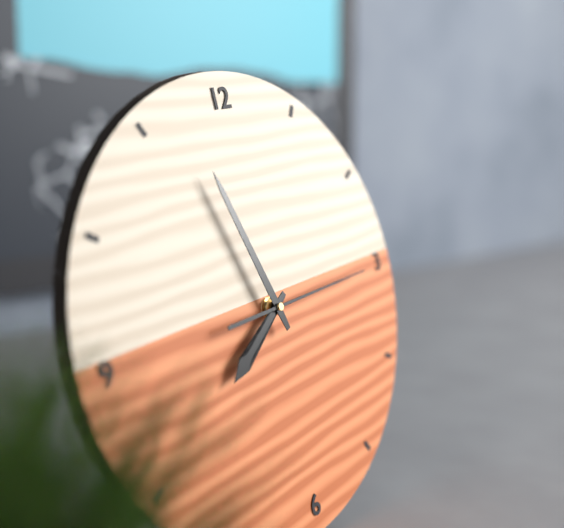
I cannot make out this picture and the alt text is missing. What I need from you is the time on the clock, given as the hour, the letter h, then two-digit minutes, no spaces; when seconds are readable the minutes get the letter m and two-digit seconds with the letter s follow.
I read 7h57m15s
